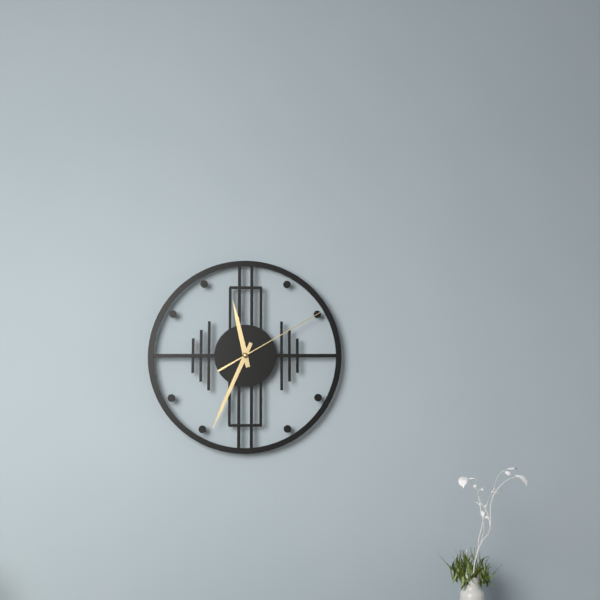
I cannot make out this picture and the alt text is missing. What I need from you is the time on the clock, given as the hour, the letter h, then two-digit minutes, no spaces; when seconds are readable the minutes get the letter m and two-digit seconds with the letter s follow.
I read 11h34m10s
